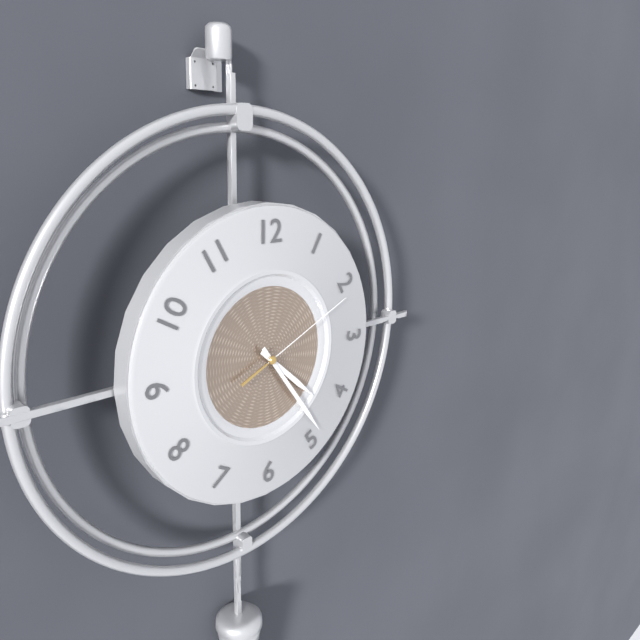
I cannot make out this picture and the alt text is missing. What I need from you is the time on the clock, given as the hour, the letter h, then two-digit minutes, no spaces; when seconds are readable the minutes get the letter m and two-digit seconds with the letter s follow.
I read 4h24m11s
